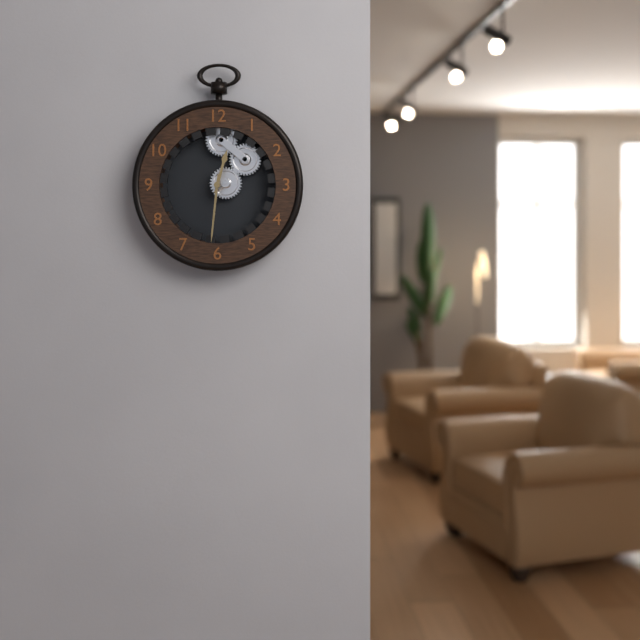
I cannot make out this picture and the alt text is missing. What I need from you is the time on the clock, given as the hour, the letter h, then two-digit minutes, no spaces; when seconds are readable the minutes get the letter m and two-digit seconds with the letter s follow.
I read 12h31
